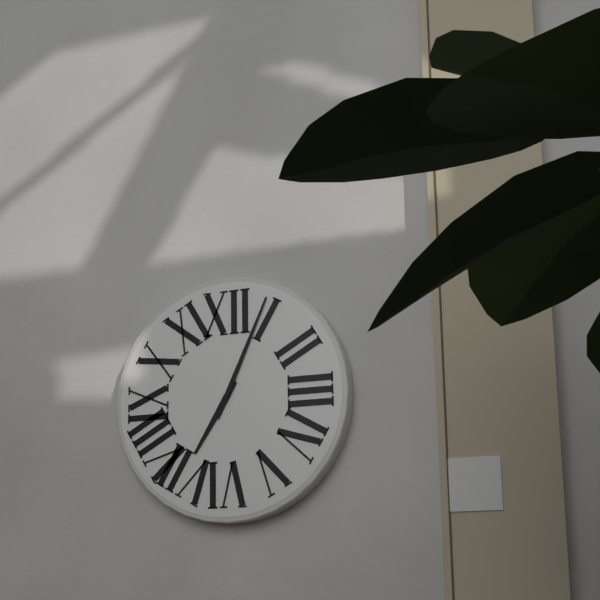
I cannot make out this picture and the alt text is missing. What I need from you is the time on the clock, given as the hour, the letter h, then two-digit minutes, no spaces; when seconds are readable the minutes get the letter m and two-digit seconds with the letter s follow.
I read 7h04
